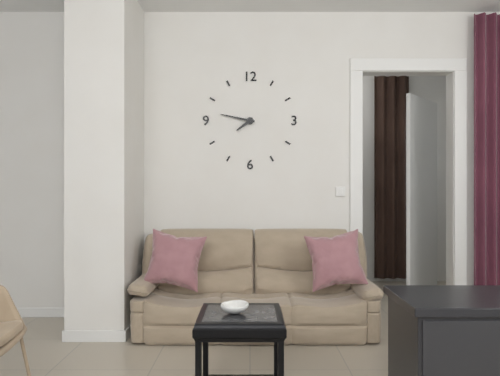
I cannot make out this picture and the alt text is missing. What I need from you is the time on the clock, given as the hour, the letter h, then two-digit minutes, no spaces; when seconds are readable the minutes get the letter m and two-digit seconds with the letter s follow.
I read 7h47
